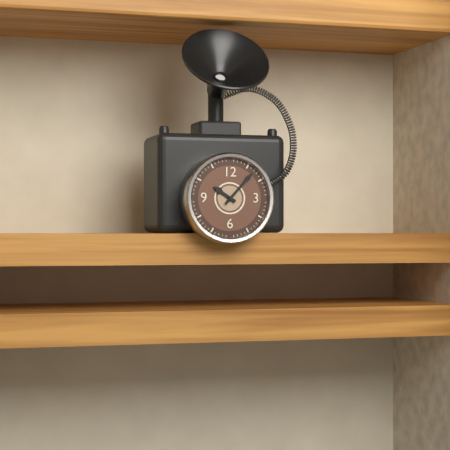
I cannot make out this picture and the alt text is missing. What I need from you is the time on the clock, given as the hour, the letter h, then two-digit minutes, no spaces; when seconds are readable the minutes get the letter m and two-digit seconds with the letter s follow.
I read 10h07
